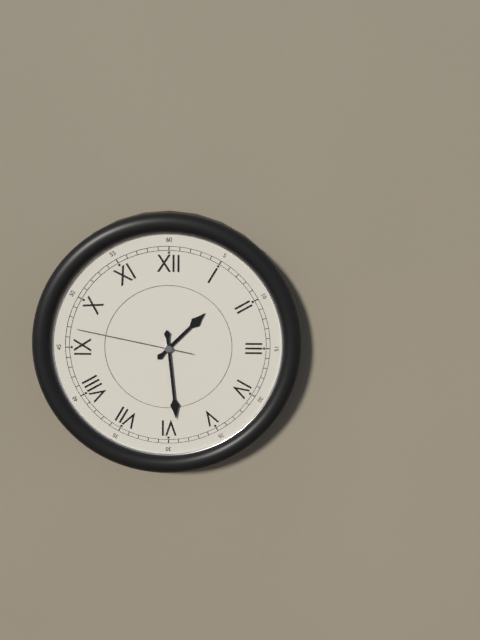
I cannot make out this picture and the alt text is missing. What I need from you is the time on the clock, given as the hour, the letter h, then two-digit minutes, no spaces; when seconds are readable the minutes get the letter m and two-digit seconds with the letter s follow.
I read 1h29m47s
